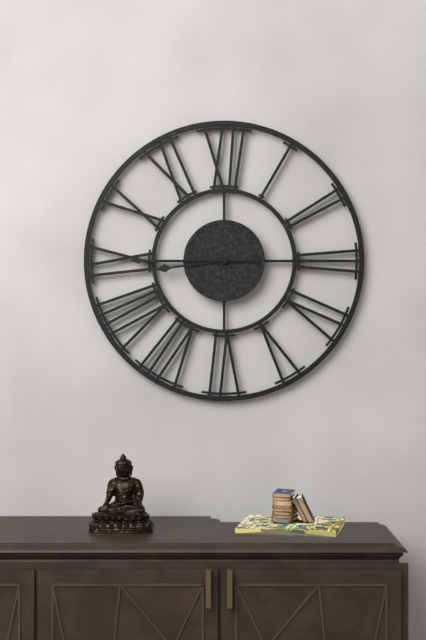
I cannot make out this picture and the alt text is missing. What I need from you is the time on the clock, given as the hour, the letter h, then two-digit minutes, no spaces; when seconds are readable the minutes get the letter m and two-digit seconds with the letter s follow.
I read 8h45
